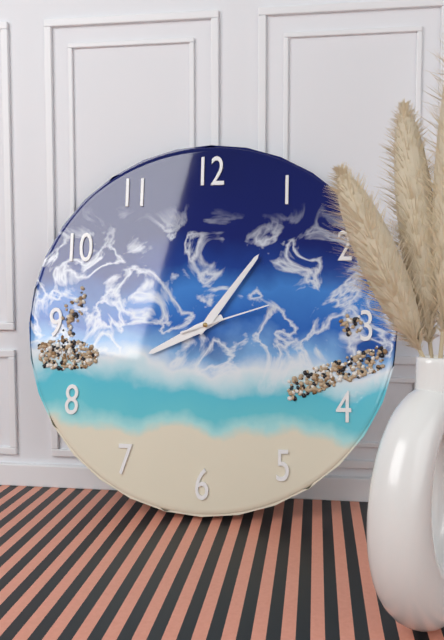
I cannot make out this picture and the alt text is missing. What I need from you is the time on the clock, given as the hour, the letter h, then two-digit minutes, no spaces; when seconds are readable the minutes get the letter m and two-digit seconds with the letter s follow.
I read 8h06m12s
